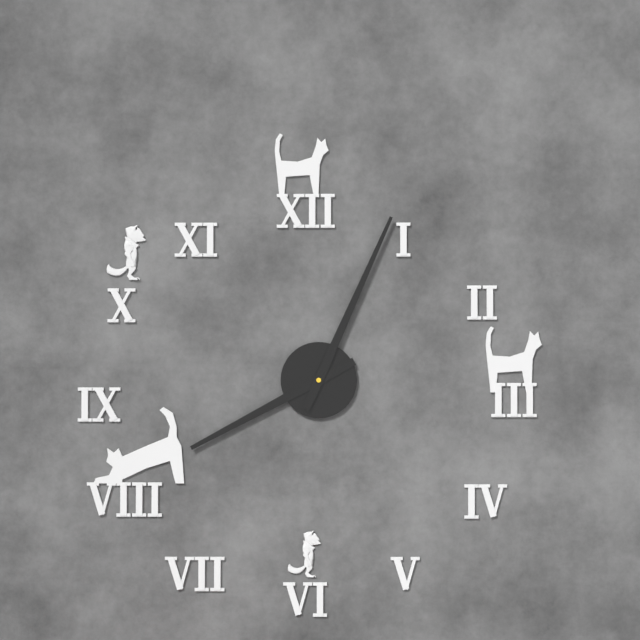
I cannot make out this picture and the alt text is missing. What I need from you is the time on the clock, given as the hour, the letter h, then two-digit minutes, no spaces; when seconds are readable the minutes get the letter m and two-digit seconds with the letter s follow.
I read 8h04
